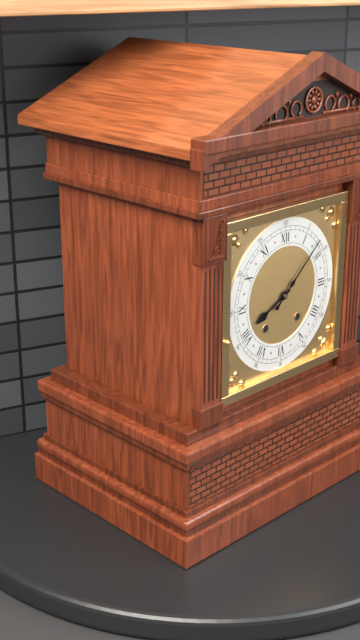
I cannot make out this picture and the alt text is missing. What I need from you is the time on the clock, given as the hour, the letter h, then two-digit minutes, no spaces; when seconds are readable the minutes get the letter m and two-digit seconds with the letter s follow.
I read 8h08
